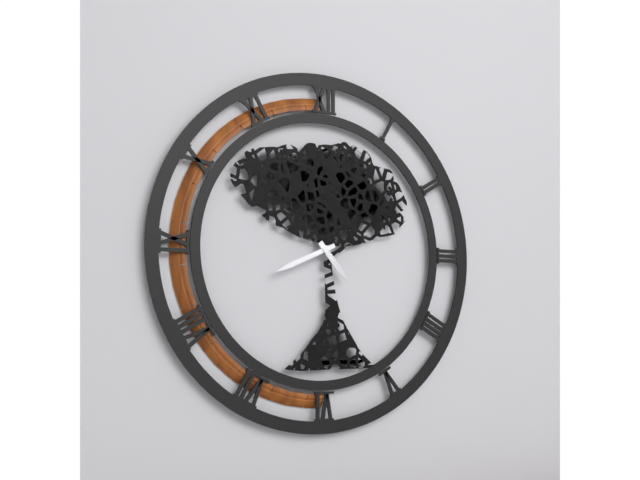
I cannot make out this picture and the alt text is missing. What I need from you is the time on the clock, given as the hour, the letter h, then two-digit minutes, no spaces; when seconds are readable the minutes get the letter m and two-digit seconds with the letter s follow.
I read 4h41
